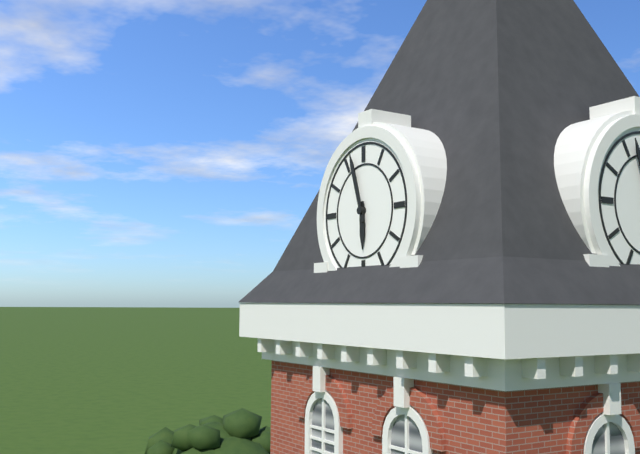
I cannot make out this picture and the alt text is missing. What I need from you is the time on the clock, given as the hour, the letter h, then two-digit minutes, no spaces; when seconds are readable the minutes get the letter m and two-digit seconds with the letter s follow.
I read 5h57
